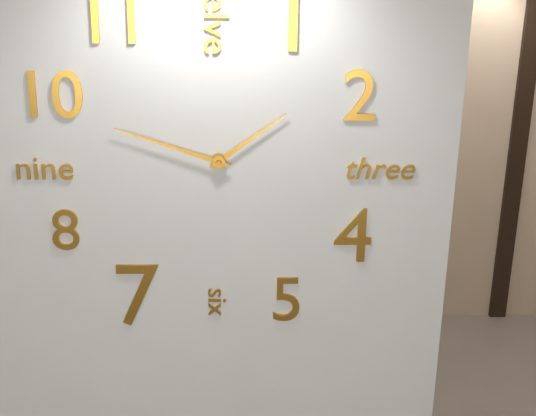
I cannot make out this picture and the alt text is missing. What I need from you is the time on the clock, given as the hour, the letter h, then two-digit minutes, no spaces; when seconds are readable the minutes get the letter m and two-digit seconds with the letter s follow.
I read 1h48
